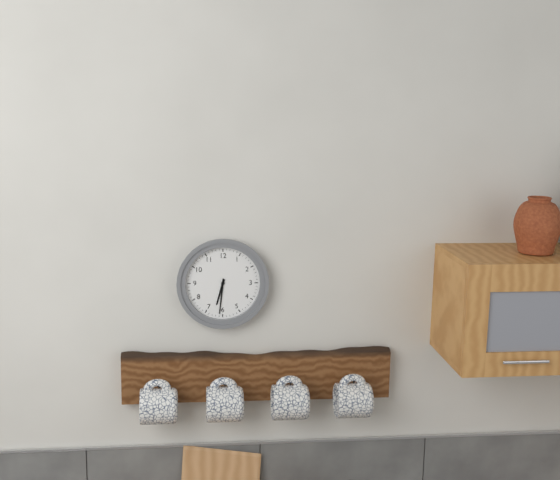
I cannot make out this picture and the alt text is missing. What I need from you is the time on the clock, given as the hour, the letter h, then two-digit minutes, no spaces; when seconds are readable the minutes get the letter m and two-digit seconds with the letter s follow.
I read 6h31
